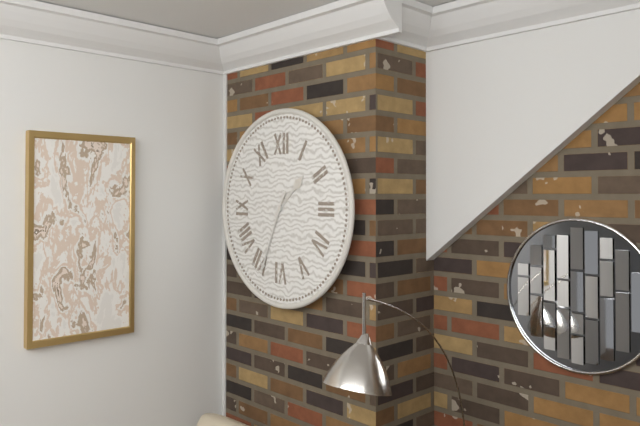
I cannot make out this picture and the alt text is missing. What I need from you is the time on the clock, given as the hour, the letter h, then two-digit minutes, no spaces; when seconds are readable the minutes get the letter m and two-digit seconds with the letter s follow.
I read 1h34
